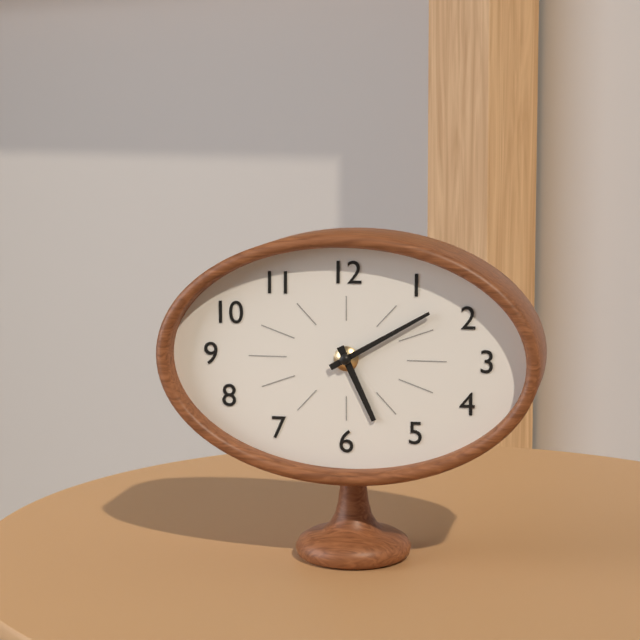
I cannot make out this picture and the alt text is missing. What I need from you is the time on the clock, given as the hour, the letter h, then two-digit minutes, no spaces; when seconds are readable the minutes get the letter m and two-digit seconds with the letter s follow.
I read 5h10
